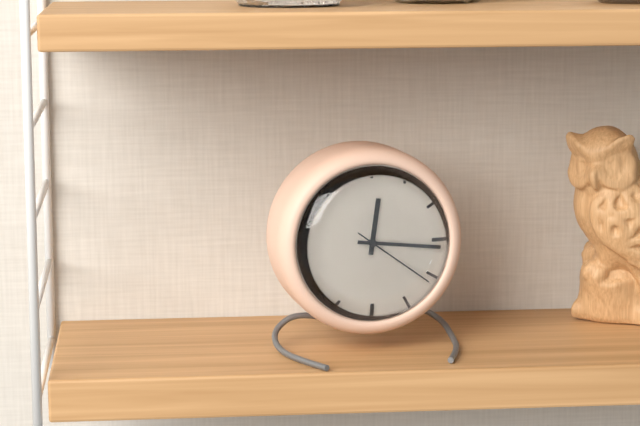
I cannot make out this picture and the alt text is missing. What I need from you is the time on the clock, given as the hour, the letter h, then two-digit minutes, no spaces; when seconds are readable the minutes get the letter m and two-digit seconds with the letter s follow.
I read 12h16m21s
